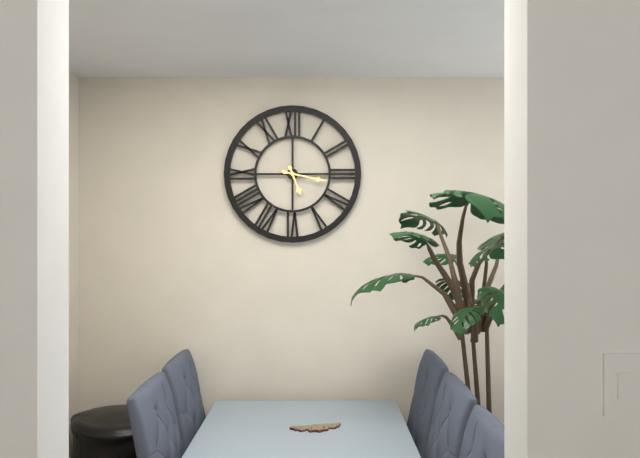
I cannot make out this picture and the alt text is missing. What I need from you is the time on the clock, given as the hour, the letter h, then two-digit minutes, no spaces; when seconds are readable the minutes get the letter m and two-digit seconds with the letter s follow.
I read 5h17
